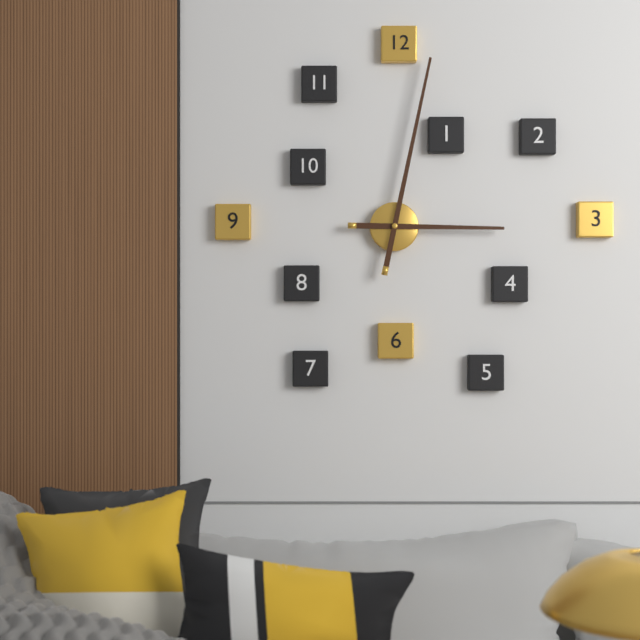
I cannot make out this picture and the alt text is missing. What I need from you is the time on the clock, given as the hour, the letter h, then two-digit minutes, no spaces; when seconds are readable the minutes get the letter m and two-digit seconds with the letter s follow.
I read 3h02
